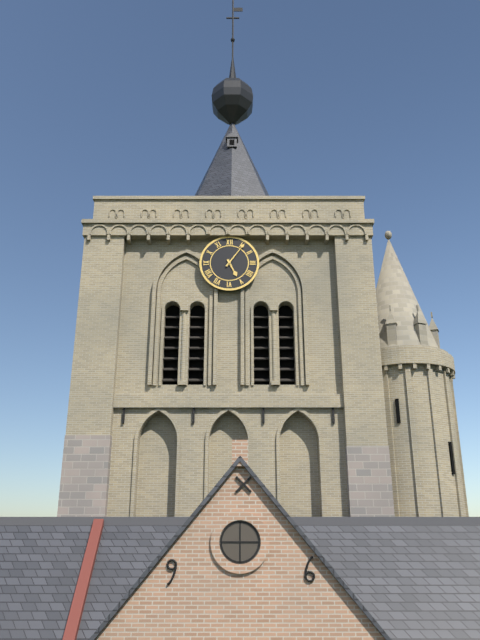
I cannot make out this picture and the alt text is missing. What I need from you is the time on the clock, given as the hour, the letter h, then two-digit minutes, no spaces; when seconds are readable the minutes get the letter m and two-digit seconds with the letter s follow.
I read 5h06
